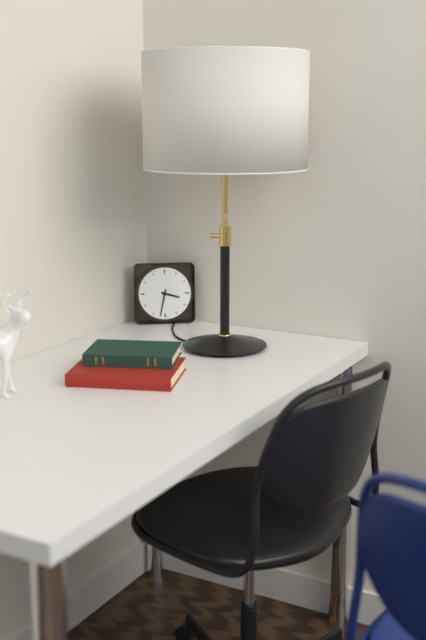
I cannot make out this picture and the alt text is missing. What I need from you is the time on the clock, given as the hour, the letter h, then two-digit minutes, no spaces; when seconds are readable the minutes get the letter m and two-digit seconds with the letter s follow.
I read 3h32
